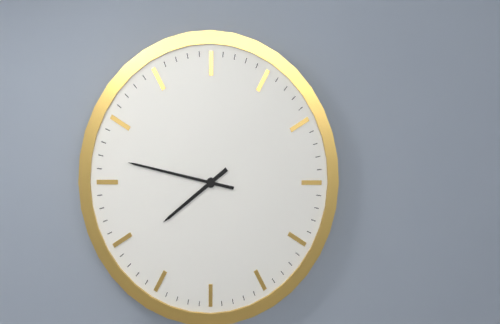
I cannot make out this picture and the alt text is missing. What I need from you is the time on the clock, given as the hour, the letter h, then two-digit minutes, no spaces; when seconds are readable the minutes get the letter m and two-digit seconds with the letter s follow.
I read 7h47
